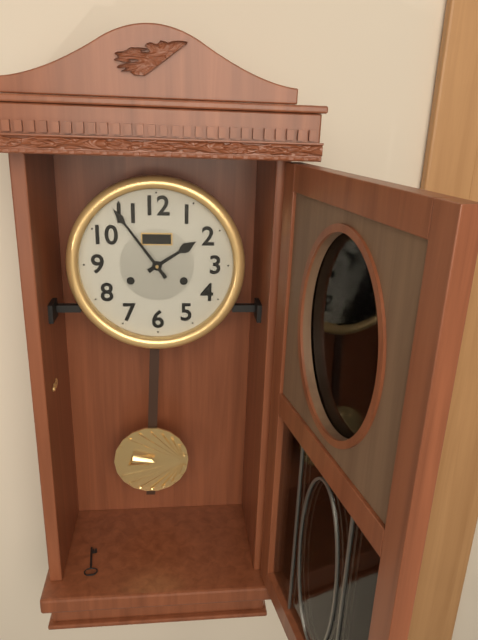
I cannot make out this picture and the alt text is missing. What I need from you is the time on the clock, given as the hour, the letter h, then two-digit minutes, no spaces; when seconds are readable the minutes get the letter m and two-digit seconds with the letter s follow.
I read 1h54
